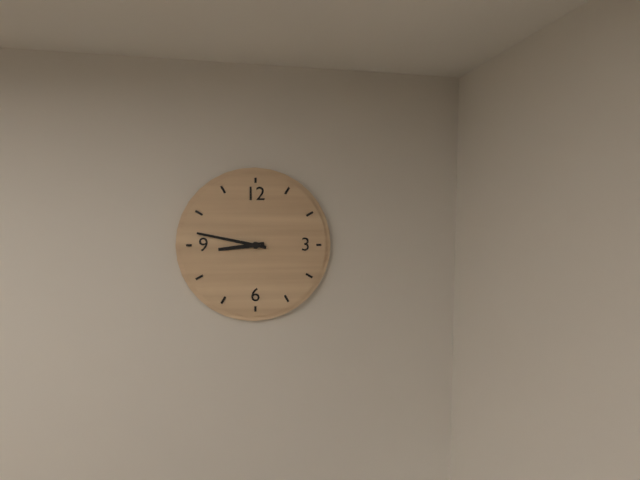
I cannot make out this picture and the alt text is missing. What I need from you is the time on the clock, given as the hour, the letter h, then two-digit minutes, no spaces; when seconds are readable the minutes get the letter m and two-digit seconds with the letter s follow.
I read 8h47
